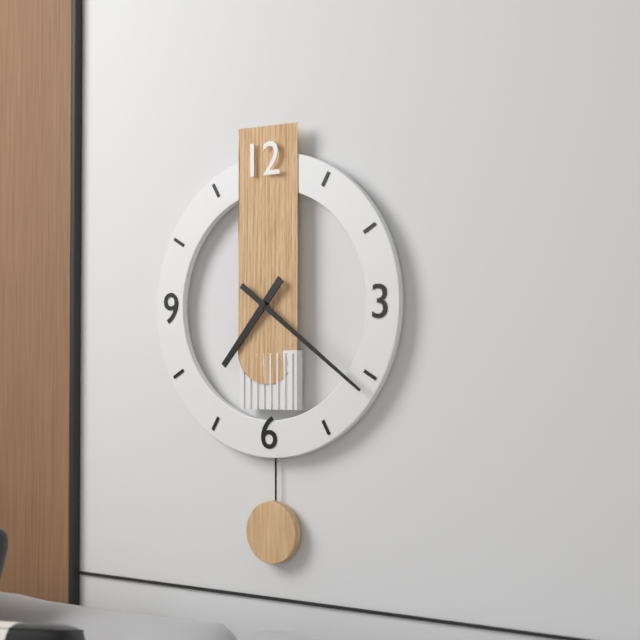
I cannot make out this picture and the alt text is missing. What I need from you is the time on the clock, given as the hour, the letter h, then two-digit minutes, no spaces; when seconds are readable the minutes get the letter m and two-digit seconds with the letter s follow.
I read 7h21
